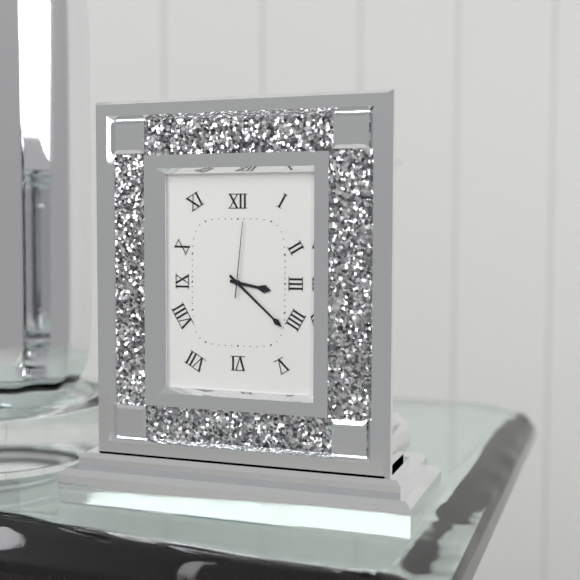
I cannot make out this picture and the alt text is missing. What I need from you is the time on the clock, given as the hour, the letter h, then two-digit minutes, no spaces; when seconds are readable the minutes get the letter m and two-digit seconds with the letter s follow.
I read 3h22m01s
